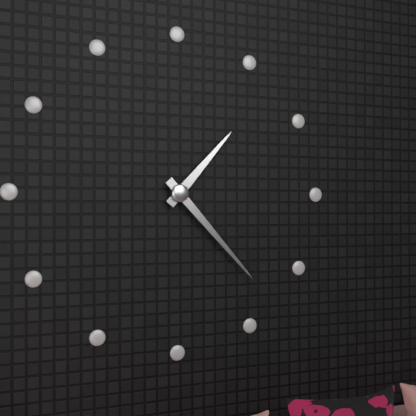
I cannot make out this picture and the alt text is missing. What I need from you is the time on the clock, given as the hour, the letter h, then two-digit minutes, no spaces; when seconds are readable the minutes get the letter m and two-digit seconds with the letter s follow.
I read 1h23
